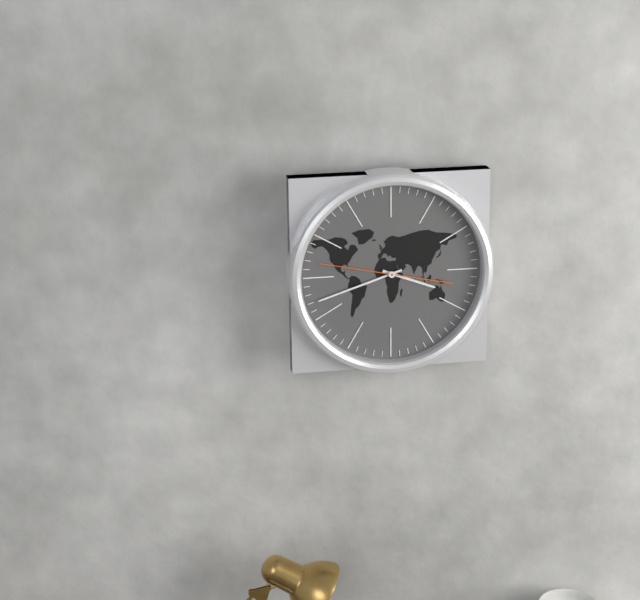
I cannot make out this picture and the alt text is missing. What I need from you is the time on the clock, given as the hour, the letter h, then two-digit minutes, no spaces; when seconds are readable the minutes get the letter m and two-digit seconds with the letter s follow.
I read 3h42m47s
